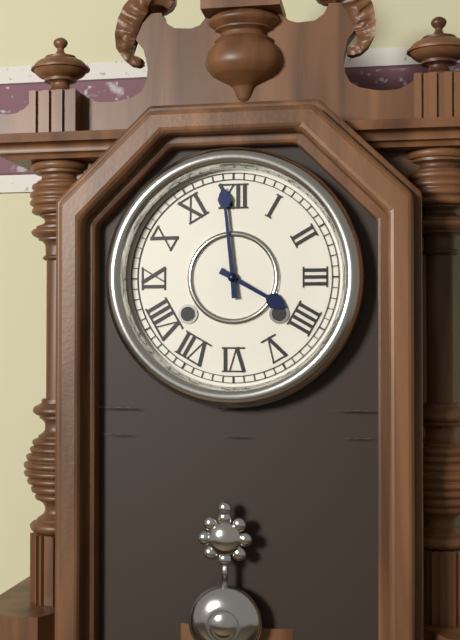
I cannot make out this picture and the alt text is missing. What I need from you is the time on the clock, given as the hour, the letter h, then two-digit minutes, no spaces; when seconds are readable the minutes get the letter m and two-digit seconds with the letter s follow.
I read 3h59
